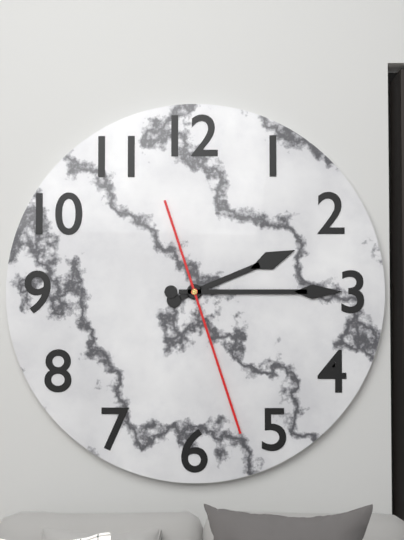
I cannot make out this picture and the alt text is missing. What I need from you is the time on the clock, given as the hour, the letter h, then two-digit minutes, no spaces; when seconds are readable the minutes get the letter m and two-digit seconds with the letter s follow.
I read 2h15m27s
